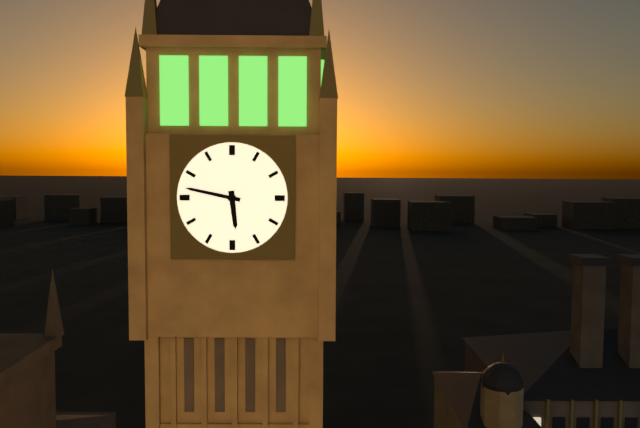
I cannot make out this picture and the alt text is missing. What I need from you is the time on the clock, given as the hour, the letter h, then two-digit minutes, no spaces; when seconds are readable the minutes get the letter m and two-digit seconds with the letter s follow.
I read 5h47
